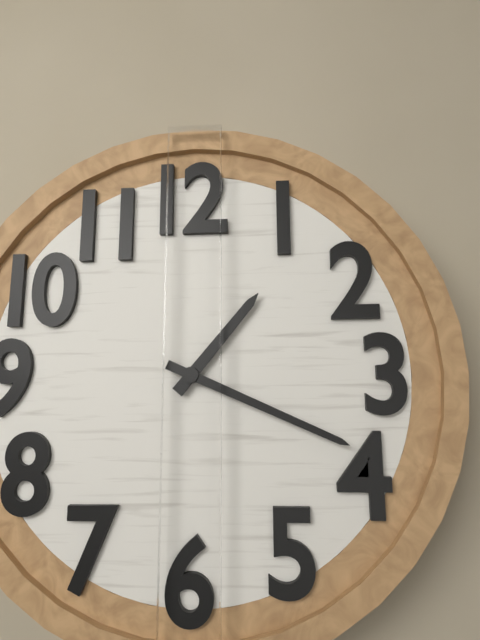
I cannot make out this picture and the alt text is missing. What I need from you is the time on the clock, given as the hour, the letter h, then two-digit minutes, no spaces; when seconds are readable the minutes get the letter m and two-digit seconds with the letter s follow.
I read 1h19
